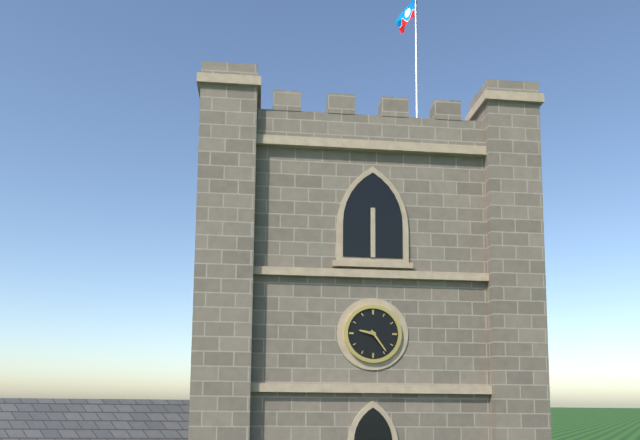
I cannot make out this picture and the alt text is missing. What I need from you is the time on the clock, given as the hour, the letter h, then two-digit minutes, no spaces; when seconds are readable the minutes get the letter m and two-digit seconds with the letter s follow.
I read 9h24
